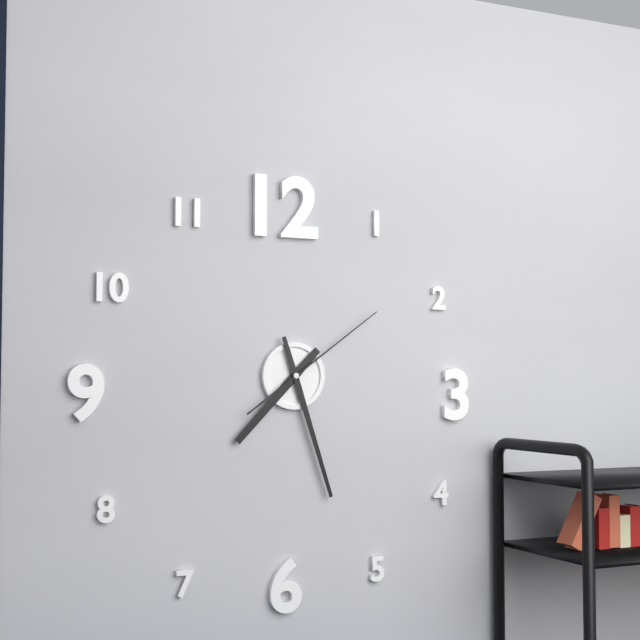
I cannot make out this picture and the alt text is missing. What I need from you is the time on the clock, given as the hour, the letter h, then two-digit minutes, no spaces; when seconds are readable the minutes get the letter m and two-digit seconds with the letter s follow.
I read 7h27m09s
